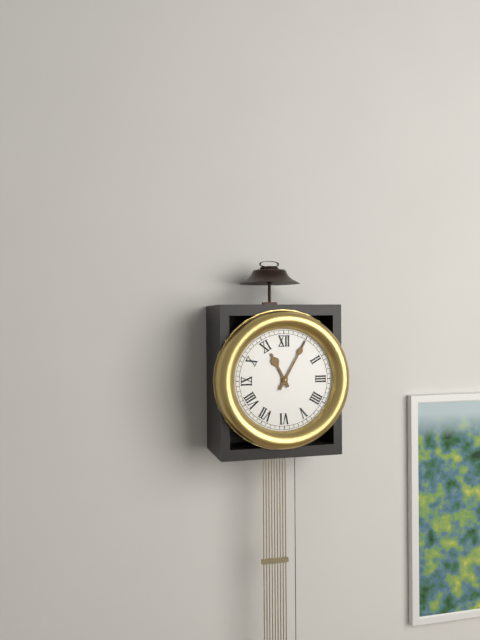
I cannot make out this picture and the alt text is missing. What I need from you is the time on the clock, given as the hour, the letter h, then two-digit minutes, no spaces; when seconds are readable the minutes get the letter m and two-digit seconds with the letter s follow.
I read 11h05
